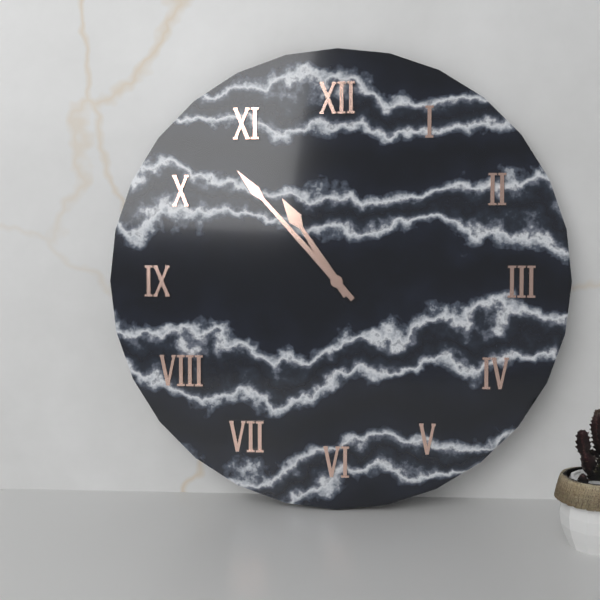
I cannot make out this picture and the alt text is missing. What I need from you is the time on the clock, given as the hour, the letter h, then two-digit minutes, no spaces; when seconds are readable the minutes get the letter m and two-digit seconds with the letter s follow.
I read 10h53
